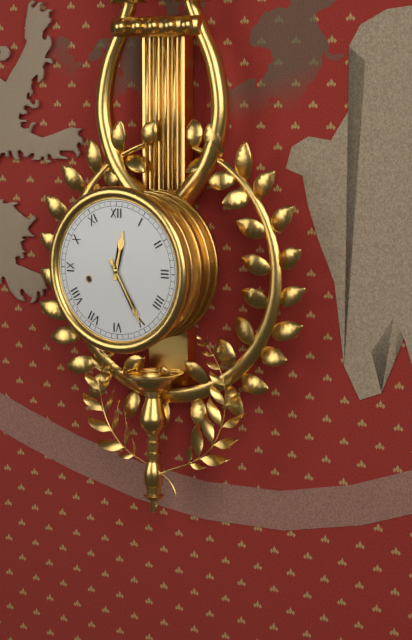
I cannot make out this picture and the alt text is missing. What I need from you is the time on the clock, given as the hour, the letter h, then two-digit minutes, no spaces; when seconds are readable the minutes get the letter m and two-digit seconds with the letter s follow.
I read 12h25
